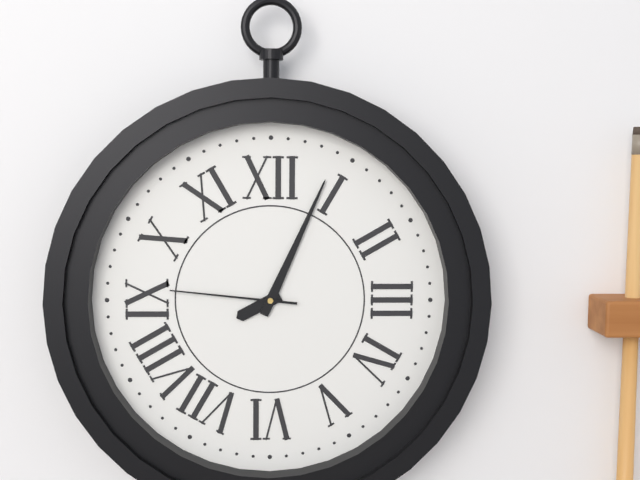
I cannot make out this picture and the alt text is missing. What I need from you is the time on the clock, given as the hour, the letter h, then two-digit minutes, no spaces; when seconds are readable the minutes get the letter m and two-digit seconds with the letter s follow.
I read 8h04m46s
